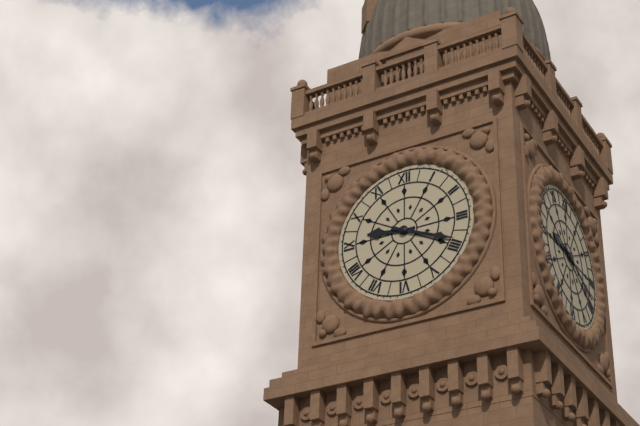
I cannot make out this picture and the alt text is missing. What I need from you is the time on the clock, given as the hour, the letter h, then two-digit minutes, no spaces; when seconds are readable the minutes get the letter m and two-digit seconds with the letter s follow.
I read 9h19
